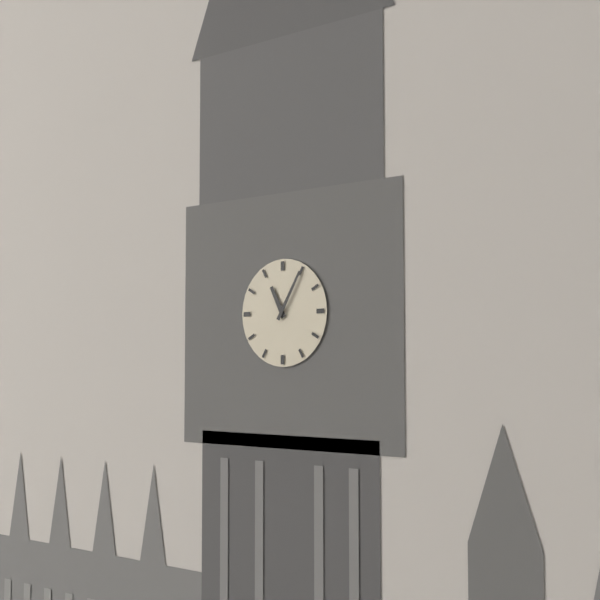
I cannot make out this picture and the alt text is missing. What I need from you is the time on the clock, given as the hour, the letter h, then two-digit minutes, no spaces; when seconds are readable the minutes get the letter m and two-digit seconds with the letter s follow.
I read 11h05
